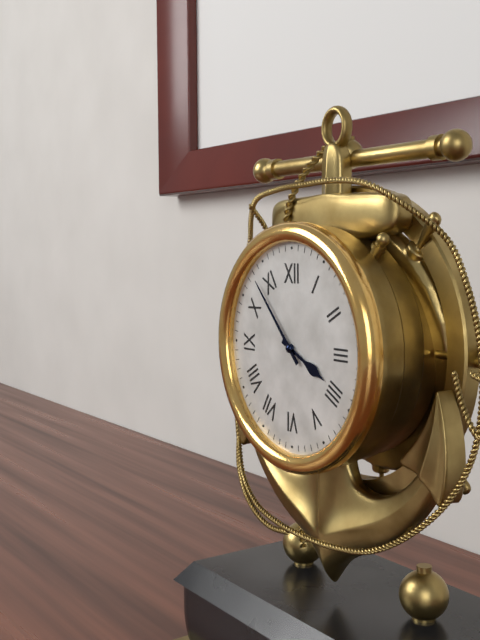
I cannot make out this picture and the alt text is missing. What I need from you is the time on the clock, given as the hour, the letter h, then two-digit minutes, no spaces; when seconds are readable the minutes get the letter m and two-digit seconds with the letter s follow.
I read 3h53
